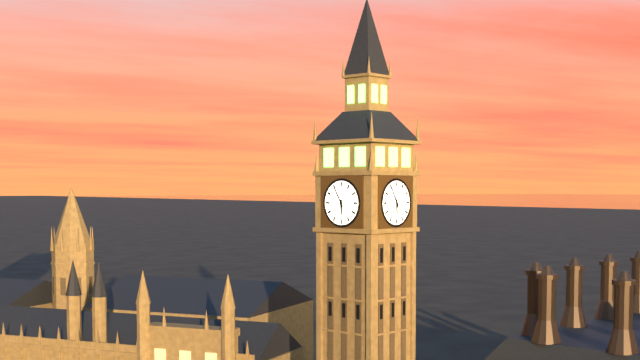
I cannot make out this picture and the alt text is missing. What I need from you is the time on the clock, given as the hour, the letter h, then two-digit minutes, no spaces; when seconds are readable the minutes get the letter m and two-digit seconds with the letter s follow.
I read 5h55
